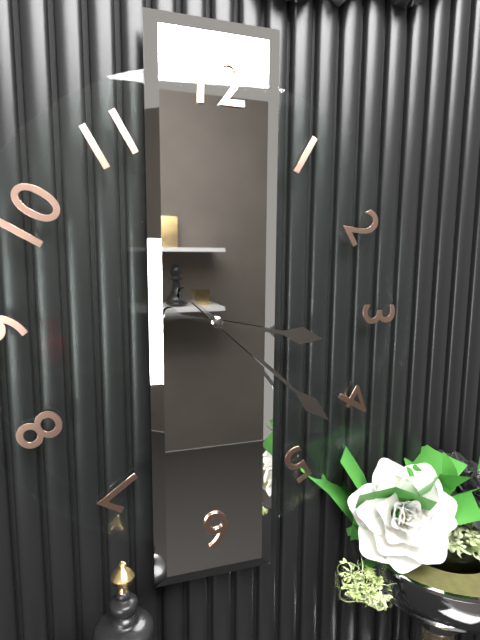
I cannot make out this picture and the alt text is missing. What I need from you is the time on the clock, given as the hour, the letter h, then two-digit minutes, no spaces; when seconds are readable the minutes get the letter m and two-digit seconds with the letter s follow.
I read 3h22
